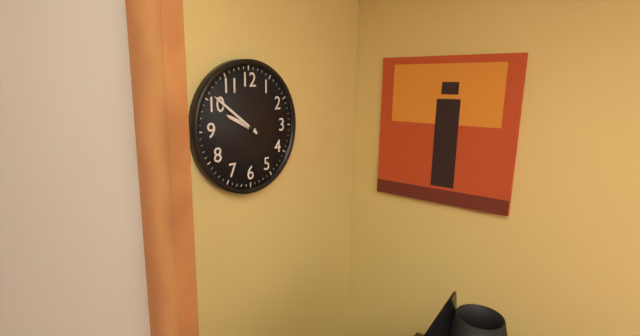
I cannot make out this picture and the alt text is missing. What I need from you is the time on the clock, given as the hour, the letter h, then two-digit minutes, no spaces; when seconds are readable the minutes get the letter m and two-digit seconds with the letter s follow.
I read 9h51
